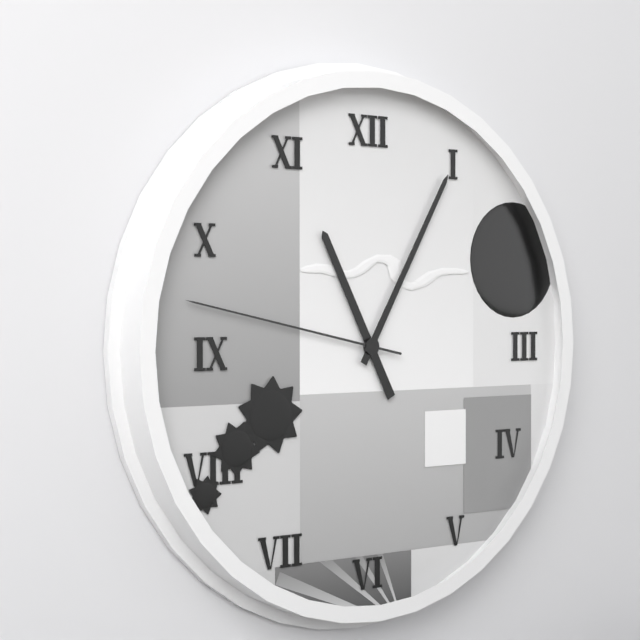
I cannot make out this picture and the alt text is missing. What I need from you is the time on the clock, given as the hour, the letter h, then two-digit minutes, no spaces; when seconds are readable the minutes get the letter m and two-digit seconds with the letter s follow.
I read 11h05m47s
